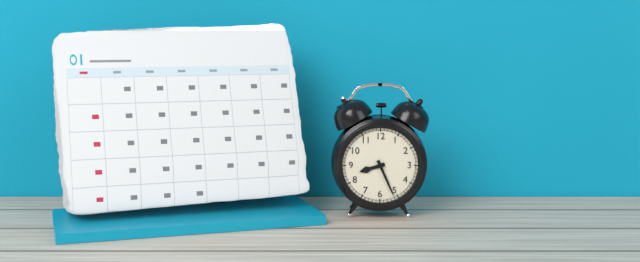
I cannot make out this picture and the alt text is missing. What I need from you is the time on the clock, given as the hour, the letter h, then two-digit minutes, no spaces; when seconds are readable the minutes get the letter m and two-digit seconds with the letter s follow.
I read 8h26
